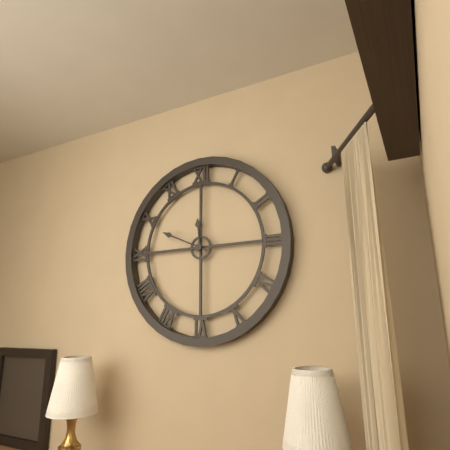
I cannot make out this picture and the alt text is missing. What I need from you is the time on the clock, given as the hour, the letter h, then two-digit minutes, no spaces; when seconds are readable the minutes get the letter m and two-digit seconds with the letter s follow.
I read 11h49
